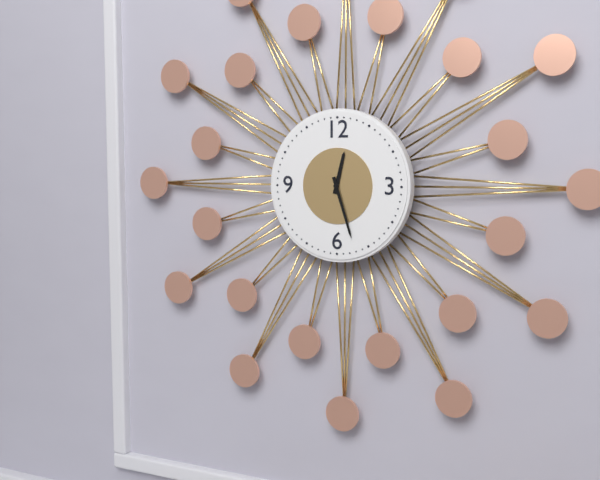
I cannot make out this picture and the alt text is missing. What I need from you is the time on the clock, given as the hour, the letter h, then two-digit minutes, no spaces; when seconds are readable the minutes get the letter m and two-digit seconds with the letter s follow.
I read 12h27
